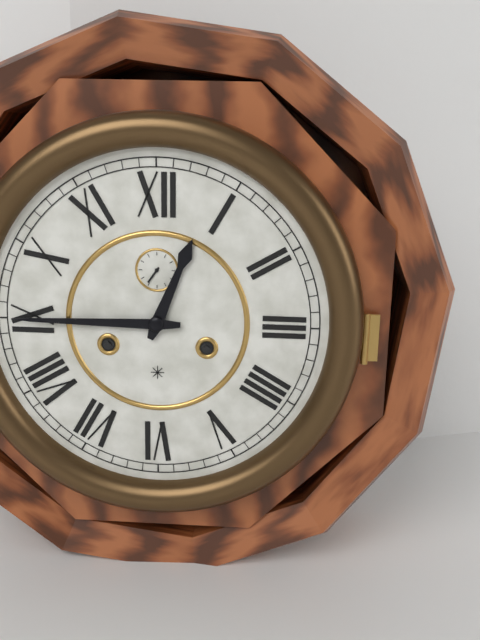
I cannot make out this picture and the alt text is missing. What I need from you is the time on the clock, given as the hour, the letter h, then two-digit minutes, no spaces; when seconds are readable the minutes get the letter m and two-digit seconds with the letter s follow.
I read 12h45
